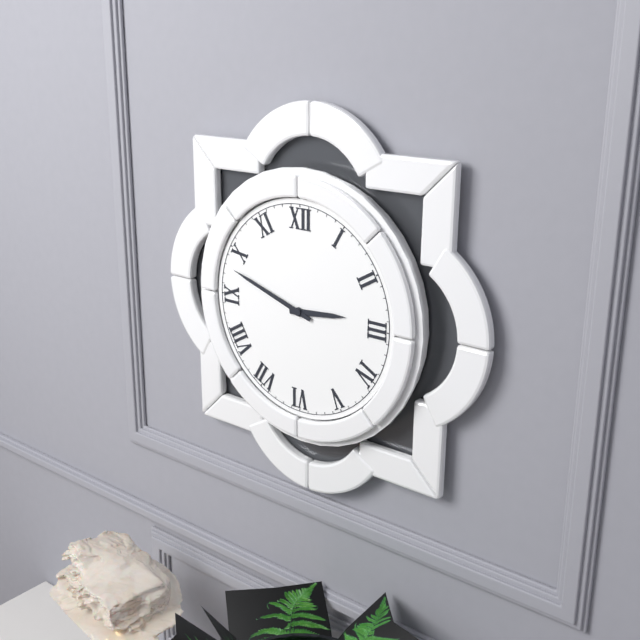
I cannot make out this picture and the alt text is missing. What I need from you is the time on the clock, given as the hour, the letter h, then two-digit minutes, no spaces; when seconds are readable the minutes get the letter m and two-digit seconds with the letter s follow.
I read 2h48
